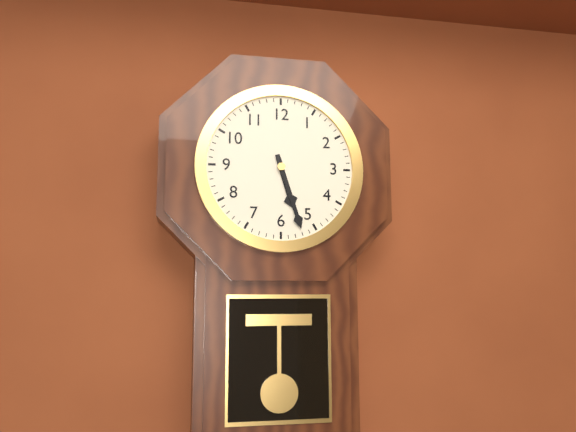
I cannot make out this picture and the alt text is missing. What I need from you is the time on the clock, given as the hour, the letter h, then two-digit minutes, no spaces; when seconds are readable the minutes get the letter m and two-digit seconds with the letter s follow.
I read 5h27
